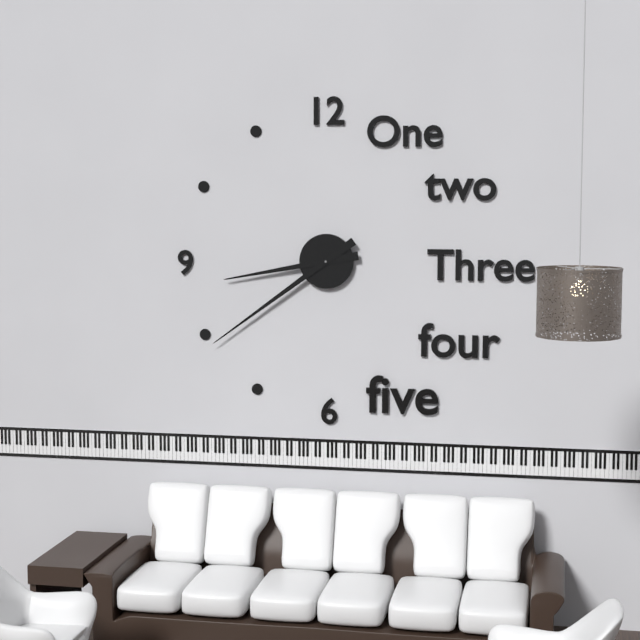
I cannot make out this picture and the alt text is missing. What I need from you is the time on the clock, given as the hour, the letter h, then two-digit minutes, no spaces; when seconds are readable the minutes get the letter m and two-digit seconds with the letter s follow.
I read 8h39
